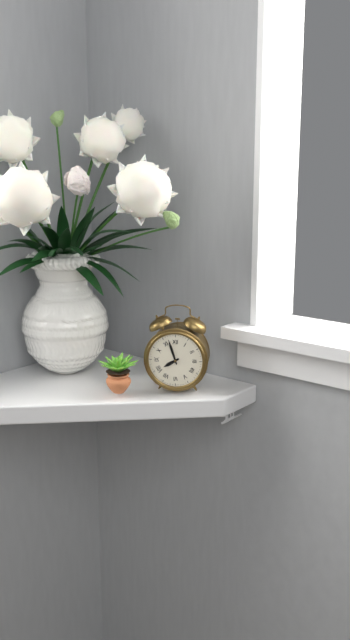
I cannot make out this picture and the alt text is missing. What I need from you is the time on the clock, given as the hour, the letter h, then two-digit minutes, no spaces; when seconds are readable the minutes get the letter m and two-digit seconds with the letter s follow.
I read 7h57
